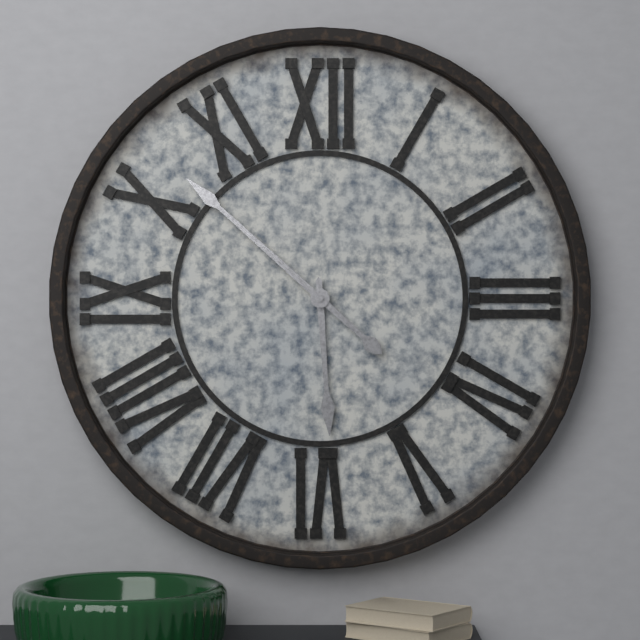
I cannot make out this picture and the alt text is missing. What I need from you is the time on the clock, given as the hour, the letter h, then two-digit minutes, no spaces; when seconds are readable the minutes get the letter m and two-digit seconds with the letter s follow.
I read 5h52
